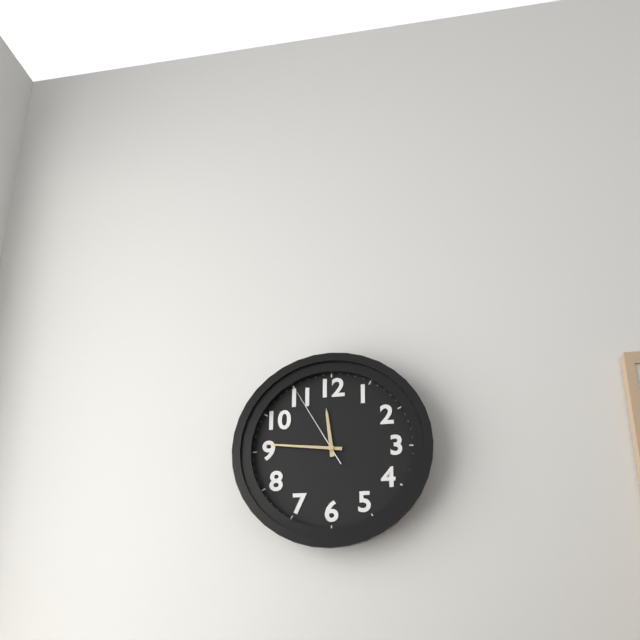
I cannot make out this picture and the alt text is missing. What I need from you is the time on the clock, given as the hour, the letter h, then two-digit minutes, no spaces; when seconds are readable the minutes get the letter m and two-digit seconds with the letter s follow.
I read 11h46m55s
